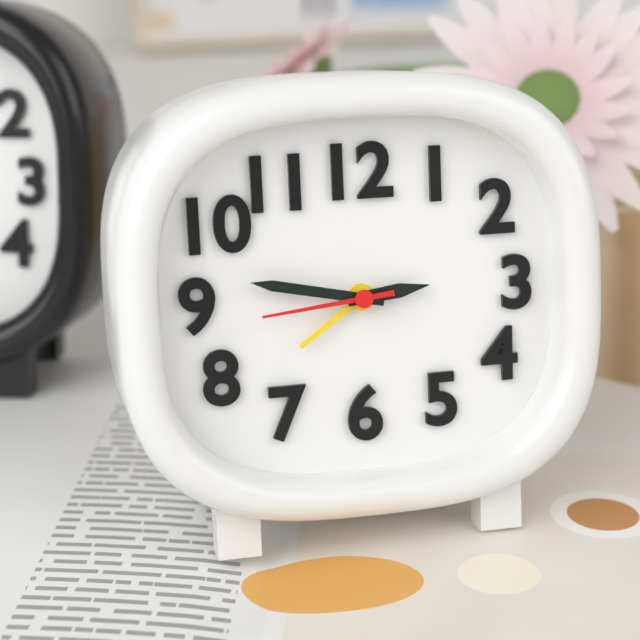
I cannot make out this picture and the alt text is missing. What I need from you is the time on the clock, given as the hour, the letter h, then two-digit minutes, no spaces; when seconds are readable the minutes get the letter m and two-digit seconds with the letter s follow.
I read 2h47m44s
